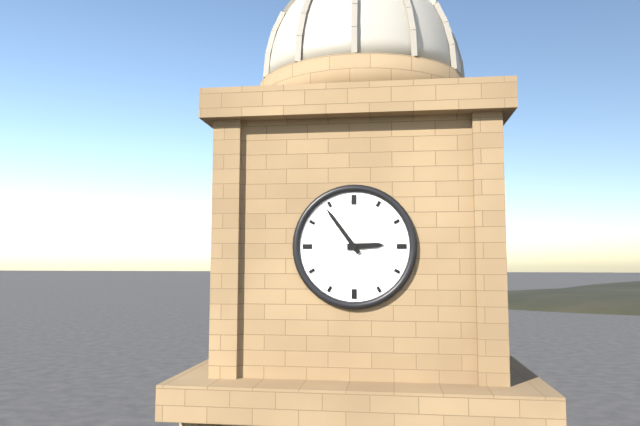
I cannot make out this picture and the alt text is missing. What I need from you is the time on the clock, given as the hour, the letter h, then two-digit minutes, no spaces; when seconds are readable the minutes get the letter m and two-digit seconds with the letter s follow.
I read 2h54
